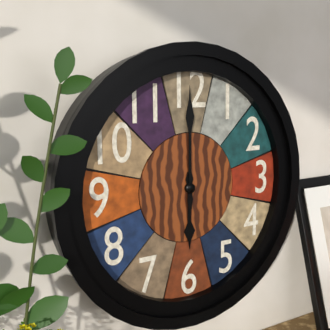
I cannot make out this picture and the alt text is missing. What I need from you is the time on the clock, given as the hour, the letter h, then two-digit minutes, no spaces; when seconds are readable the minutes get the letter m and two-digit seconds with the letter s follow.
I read 6h00
